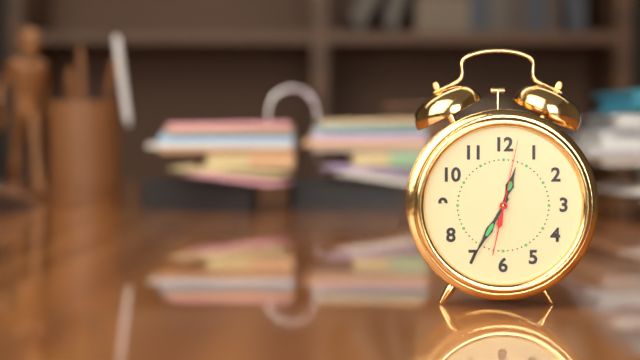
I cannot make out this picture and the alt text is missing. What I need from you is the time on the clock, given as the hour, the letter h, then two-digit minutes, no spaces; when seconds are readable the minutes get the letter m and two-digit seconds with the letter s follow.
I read 12h35m02s
